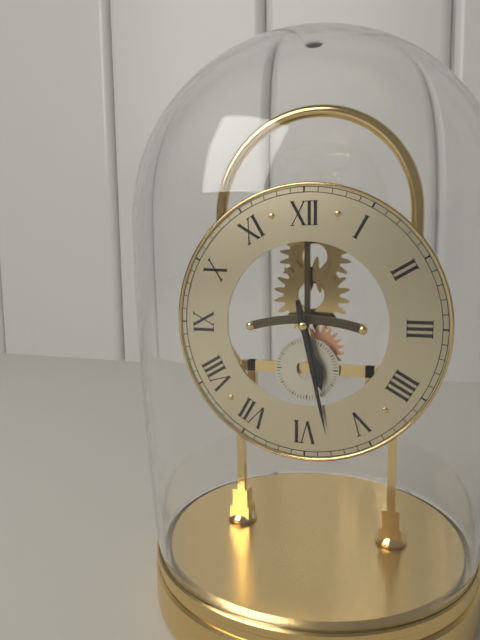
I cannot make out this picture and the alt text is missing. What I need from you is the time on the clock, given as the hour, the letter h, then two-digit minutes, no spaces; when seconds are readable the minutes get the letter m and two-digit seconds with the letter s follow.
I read 5h28
